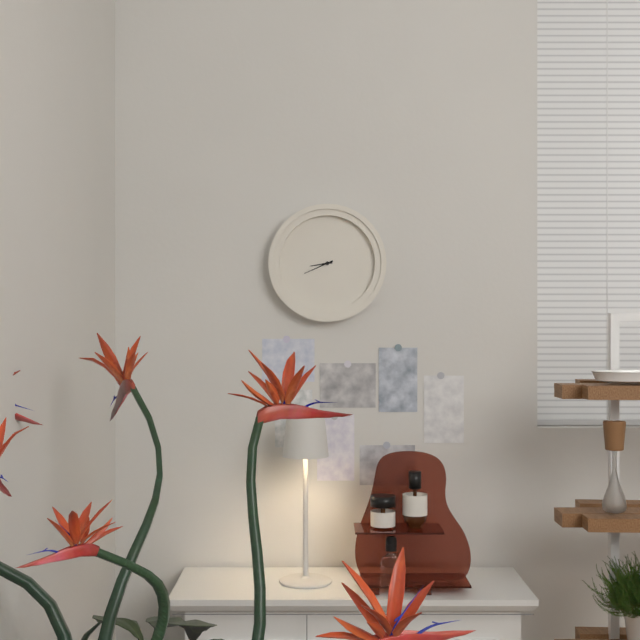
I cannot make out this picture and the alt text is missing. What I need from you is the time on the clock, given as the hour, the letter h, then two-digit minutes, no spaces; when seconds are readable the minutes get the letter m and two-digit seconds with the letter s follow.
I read 8h41
